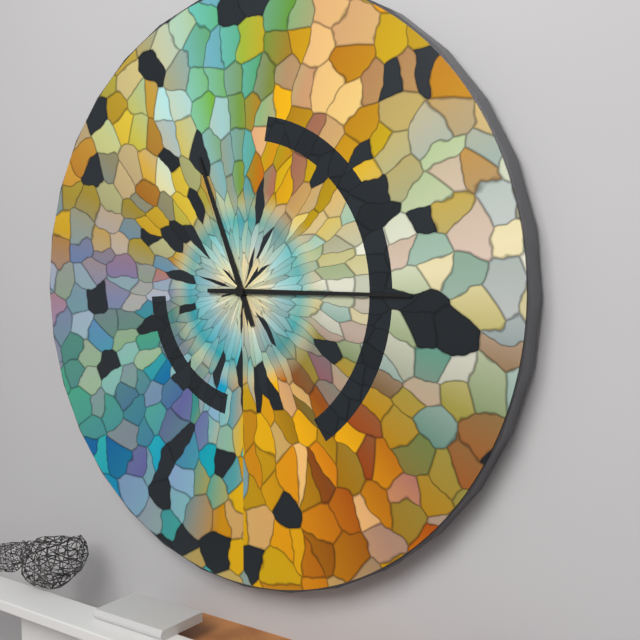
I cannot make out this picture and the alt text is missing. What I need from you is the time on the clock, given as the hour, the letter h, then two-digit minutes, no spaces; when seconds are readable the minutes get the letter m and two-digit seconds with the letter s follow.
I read 11h15
